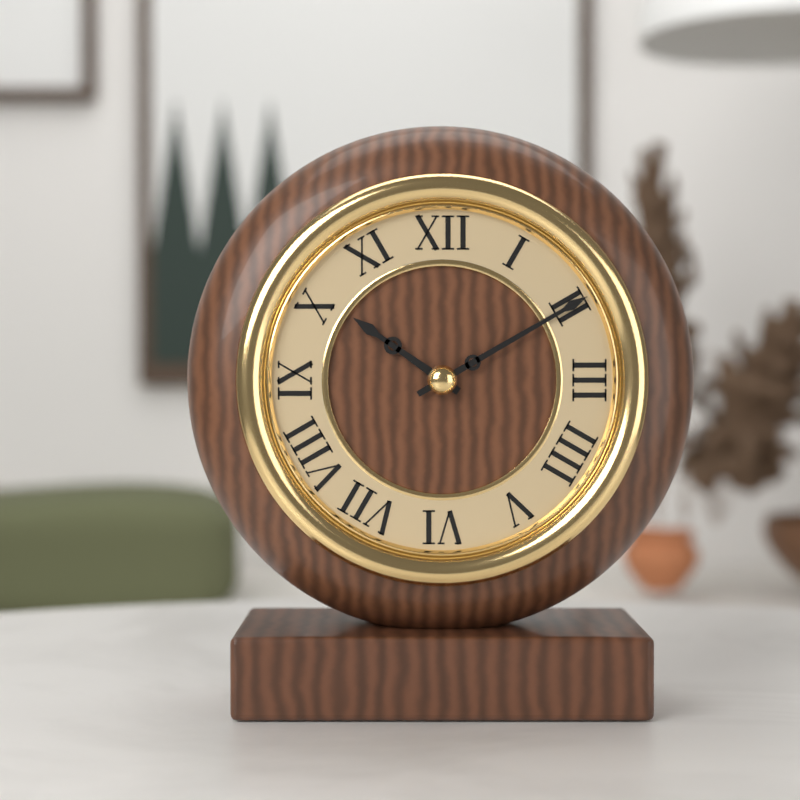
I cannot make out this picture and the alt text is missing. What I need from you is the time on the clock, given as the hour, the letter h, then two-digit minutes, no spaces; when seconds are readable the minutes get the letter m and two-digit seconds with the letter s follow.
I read 10h10
